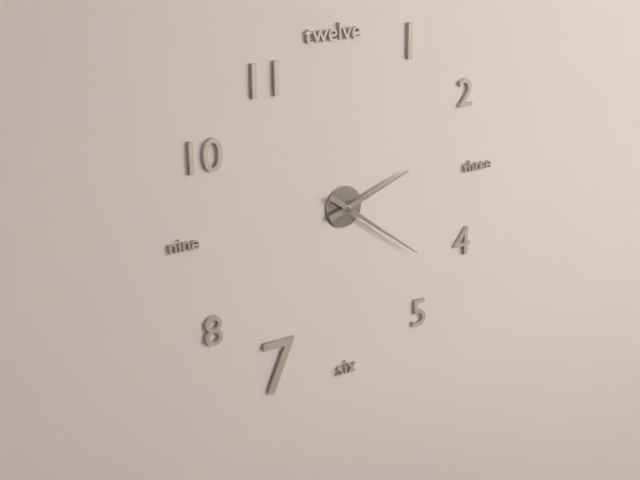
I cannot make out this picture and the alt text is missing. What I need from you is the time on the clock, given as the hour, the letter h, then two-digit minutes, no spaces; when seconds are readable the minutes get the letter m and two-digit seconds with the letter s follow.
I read 2h21
